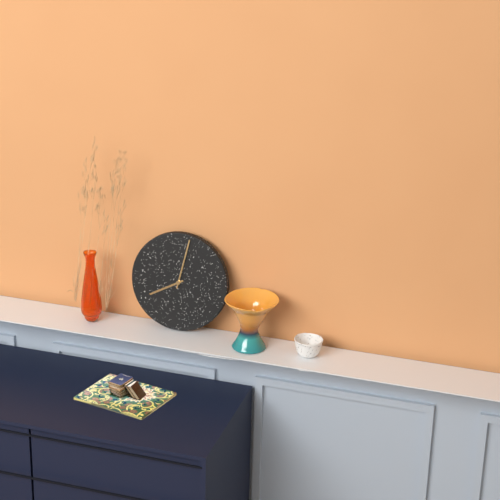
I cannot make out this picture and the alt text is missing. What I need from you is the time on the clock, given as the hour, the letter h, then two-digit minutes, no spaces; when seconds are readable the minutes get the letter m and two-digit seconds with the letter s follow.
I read 8h02
